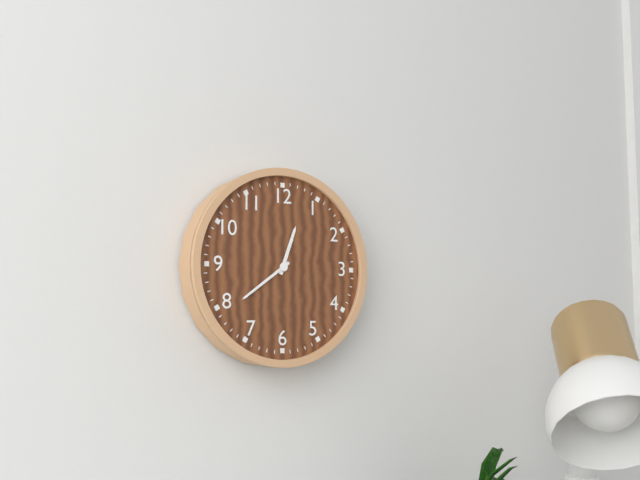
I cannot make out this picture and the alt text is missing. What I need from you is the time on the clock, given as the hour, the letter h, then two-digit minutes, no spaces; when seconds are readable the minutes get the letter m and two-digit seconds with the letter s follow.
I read 12h39
